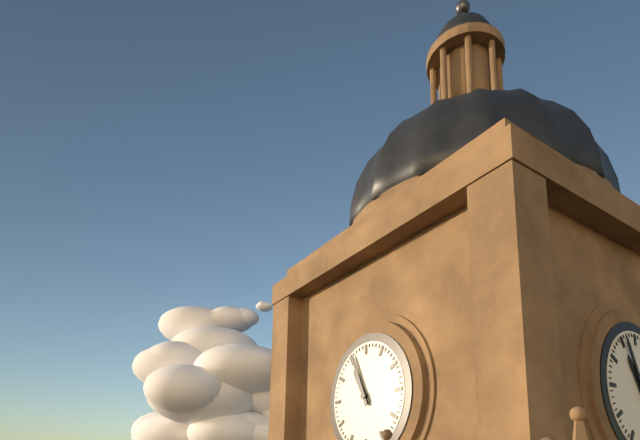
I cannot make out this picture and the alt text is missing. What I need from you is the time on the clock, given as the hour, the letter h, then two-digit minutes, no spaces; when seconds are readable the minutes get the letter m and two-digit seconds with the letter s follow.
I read 10h56
